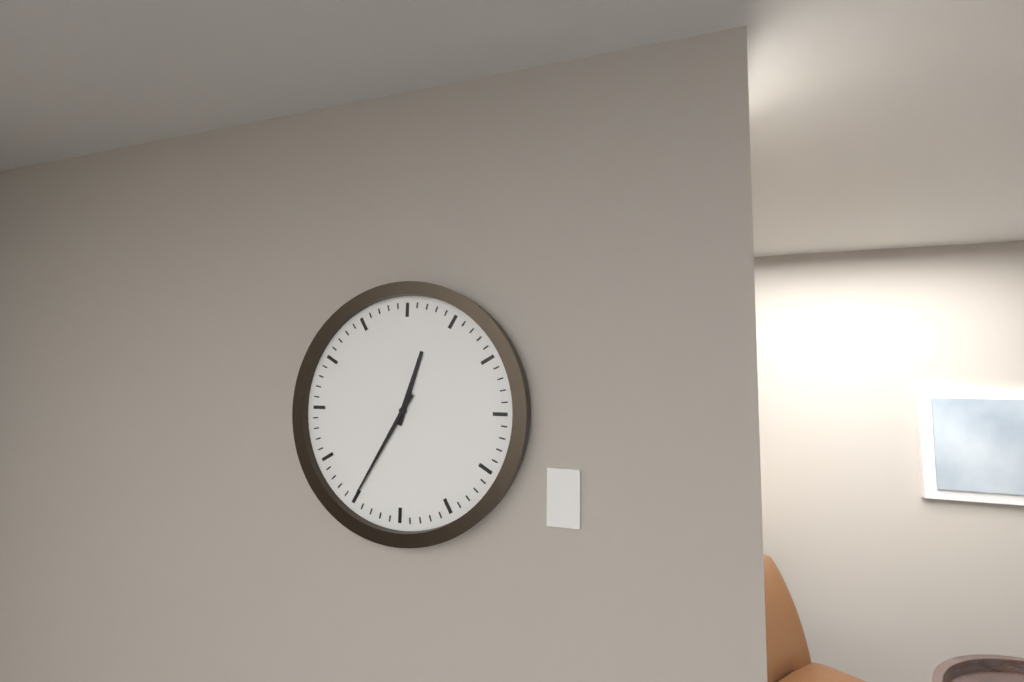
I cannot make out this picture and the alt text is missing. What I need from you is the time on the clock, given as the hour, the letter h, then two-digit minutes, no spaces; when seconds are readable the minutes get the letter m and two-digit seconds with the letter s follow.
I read 12h35
